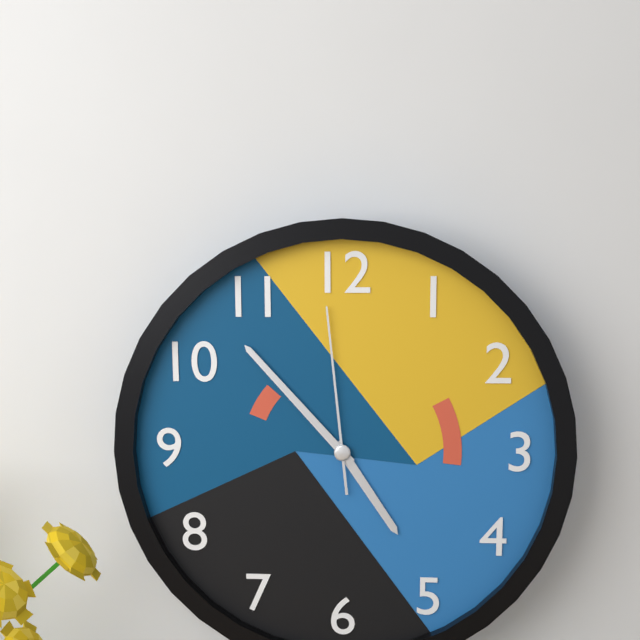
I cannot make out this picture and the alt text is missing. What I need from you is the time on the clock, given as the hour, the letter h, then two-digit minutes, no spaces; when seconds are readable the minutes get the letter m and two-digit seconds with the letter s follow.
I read 4h53m59s
